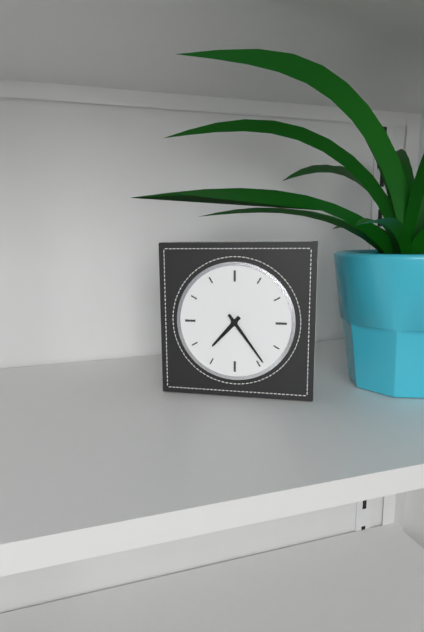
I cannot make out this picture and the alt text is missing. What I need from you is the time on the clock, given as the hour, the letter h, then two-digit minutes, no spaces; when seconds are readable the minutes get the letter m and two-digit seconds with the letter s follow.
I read 7h24
